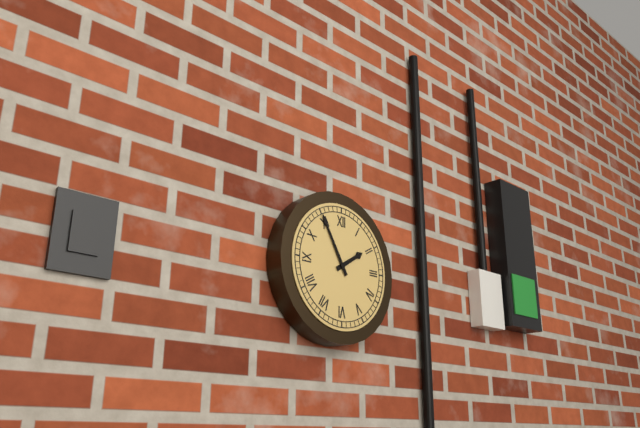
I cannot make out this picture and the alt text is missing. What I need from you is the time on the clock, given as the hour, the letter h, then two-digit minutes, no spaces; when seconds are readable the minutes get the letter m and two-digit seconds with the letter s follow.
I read 1h55
